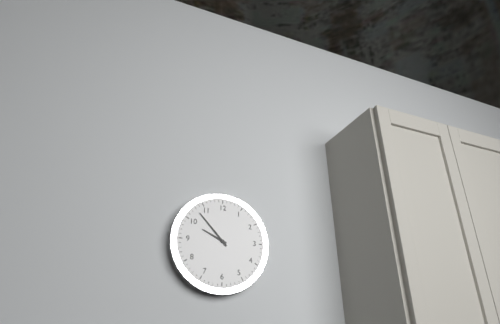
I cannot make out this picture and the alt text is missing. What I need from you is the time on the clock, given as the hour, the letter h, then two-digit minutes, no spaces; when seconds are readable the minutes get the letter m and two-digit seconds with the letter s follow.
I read 9h53
